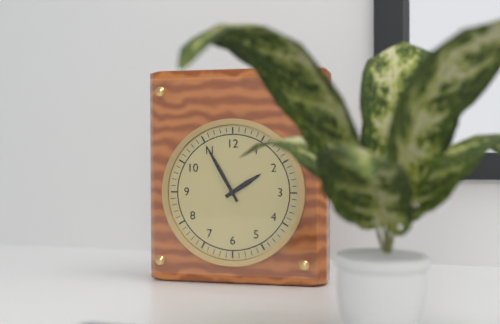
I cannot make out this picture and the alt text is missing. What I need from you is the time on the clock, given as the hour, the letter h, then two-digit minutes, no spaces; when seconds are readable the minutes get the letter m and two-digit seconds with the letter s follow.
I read 1h55
